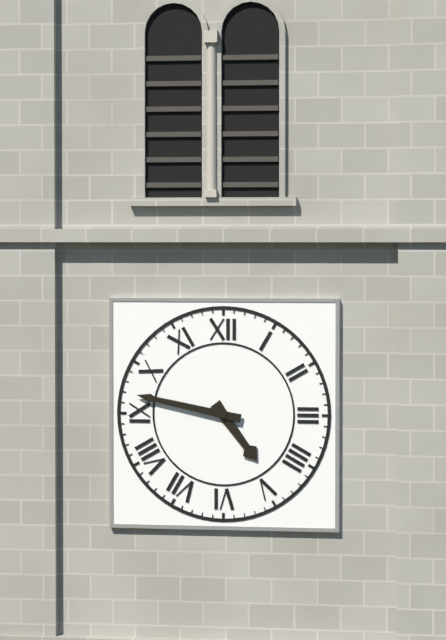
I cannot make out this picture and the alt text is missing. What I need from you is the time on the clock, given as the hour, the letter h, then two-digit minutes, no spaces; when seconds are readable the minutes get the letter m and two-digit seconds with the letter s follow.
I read 4h47
